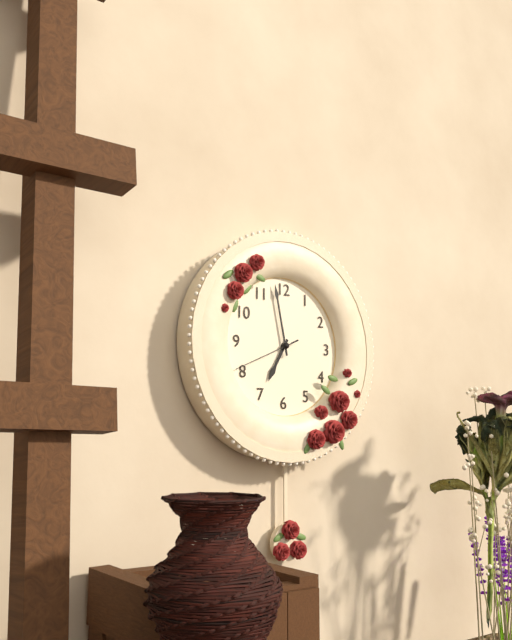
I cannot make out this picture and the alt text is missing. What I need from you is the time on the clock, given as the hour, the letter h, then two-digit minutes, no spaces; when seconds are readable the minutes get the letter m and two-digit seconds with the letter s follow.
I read 6h58m41s
